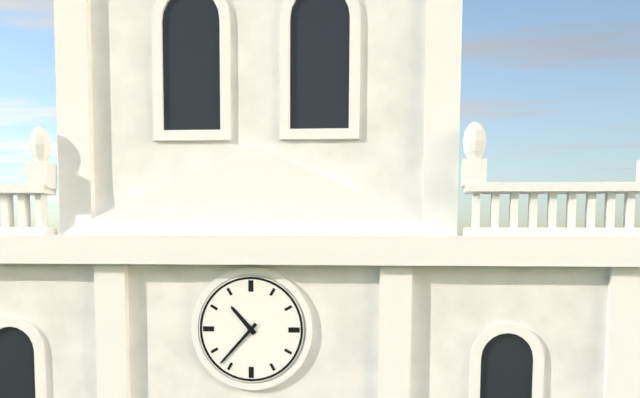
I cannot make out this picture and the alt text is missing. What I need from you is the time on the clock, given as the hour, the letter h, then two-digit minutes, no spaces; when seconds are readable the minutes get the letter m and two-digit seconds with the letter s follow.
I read 10h37
